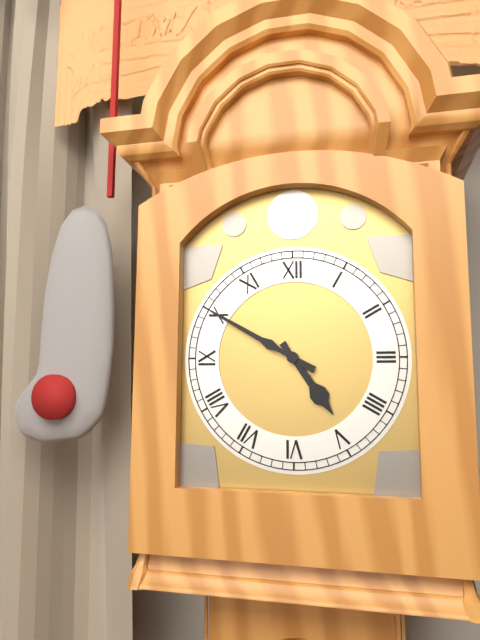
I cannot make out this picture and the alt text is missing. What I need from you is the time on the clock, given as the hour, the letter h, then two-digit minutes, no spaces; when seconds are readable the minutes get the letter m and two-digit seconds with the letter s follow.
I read 4h50
